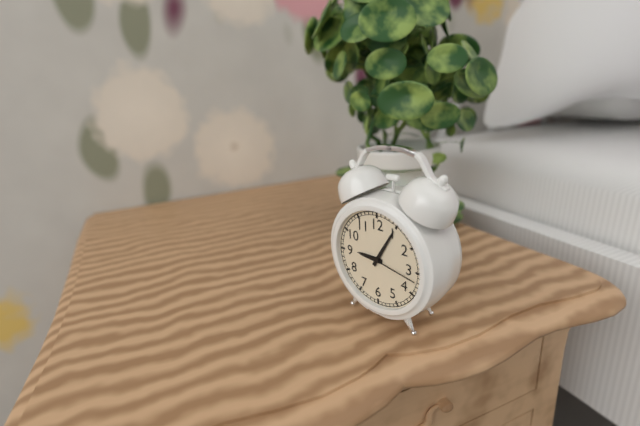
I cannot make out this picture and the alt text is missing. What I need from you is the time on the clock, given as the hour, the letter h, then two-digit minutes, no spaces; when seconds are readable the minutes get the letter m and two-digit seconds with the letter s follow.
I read 9h05m17s
